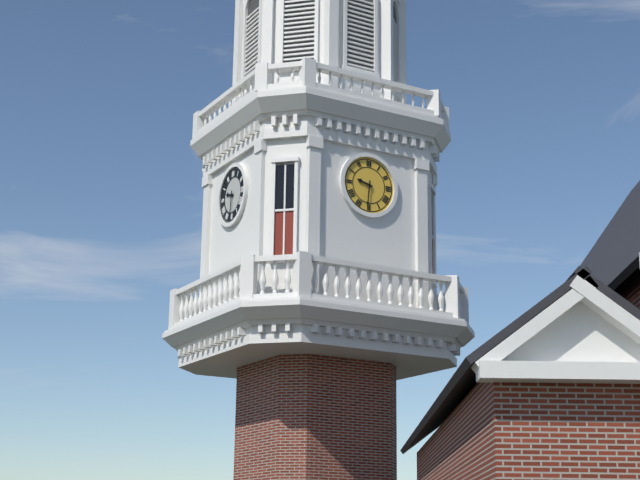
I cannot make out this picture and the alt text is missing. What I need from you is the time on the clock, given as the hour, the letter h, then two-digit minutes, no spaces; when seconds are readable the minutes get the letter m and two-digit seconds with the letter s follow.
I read 9h31
